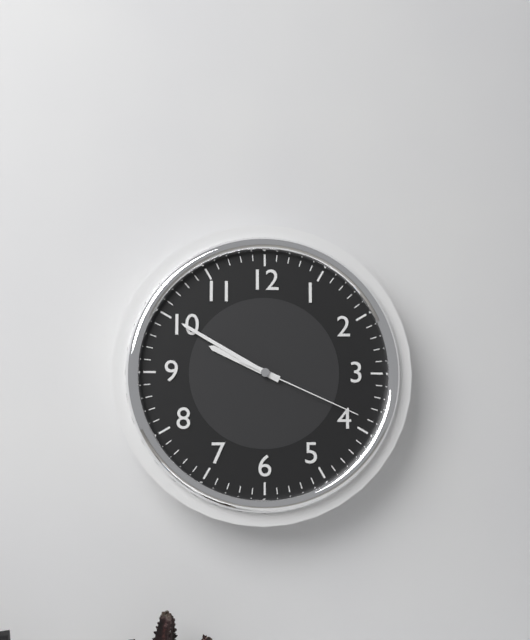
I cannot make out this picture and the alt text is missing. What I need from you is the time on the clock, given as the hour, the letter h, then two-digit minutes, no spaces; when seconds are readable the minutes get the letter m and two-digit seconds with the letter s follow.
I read 9h50m19s
